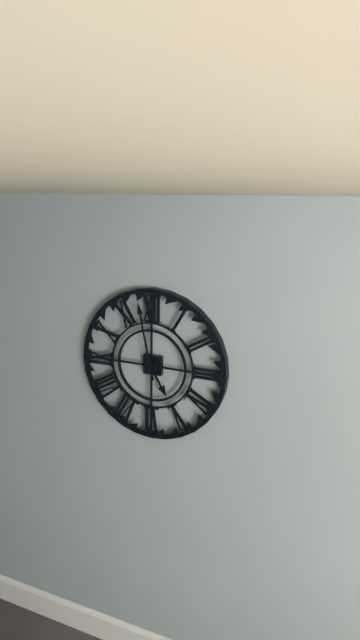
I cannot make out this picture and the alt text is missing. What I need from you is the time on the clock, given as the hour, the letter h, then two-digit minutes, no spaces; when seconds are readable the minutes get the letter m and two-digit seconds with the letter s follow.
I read 4h58
